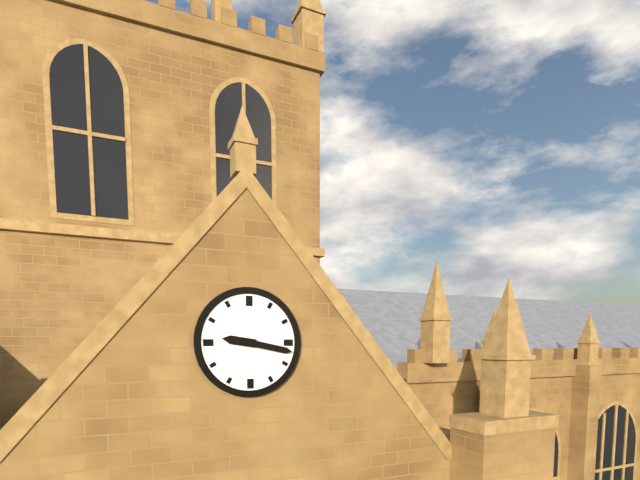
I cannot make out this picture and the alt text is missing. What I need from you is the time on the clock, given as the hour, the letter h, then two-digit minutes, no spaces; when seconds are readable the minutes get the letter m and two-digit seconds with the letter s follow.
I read 9h17
